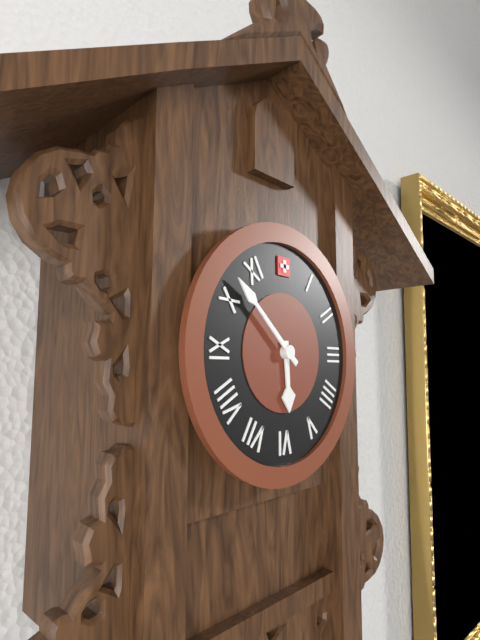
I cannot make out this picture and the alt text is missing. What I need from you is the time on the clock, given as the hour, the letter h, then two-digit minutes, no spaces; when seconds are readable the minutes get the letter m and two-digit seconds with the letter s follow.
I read 5h52
